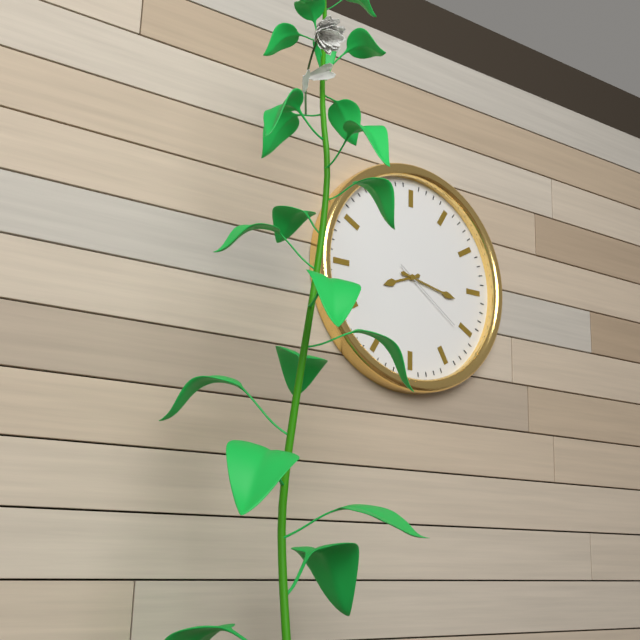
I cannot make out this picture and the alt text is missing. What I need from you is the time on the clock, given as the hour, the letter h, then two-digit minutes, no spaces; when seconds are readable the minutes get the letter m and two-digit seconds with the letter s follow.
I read 8h17m21s
